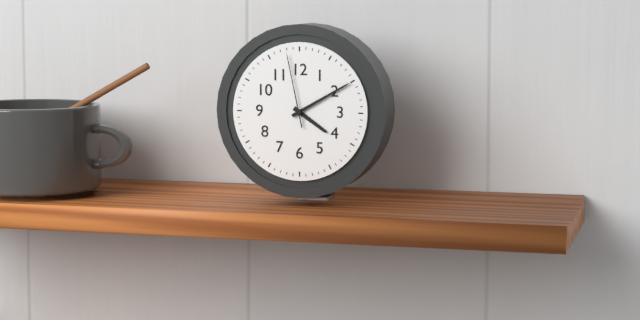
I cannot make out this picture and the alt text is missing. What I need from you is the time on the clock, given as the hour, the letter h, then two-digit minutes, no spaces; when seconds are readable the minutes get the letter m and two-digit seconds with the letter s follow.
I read 4h10m58s
